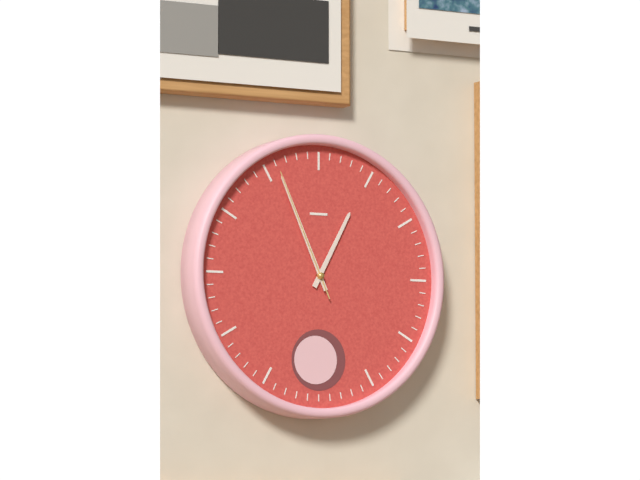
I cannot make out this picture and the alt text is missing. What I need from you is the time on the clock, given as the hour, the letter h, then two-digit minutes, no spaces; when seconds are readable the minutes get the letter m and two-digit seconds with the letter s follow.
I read 12h56m56s
